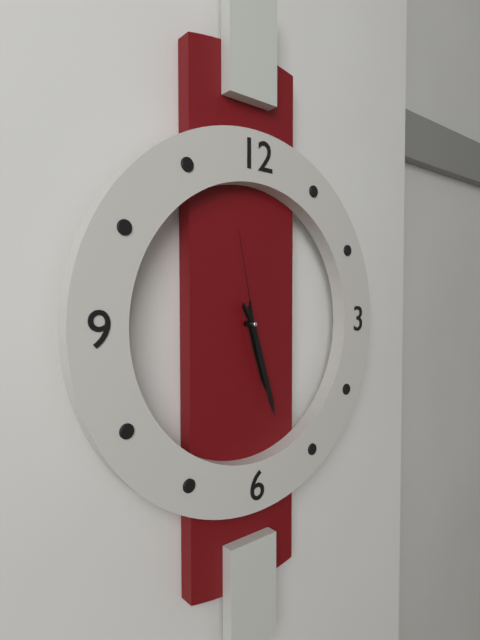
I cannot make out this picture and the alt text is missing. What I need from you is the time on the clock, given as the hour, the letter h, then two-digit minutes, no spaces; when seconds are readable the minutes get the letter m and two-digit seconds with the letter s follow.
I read 5h27m58s
